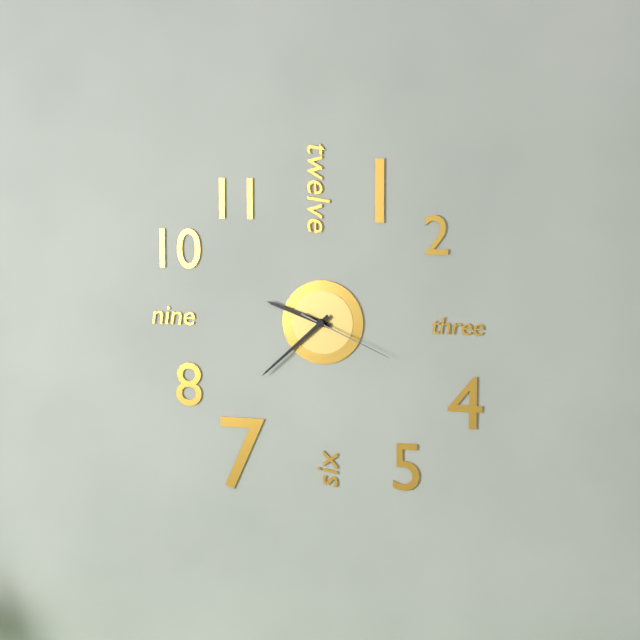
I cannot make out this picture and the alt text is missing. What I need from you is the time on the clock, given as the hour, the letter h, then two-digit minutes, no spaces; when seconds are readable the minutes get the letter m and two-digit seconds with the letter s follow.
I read 9h38m19s
